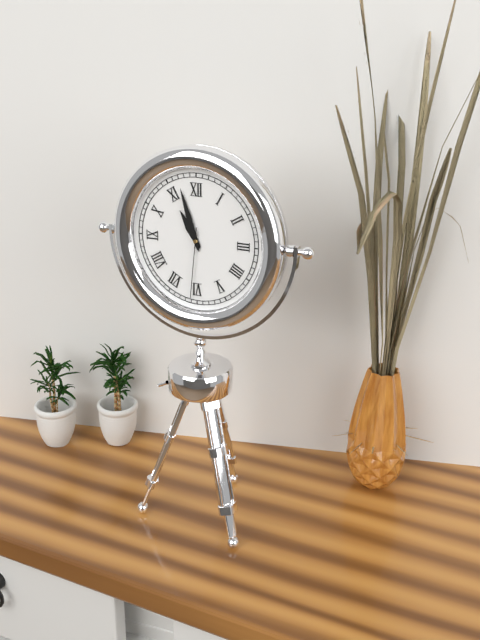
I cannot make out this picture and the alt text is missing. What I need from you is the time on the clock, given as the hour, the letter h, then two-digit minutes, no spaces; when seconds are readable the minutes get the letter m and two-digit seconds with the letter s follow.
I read 10h57m31s
